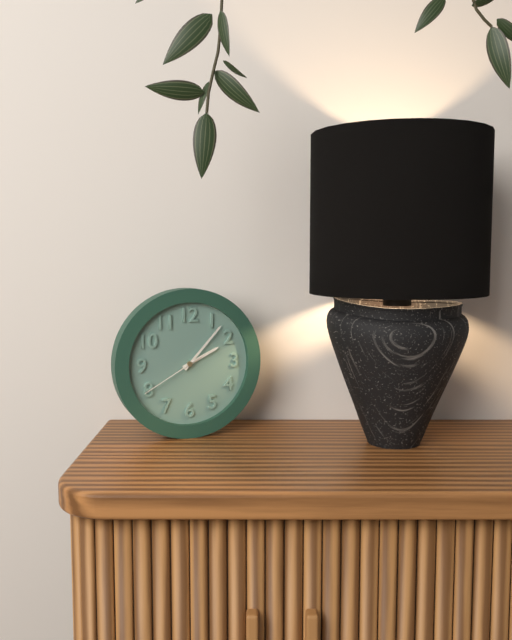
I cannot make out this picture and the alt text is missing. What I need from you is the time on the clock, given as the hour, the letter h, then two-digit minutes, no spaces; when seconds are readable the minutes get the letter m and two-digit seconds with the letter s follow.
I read 2h07m40s
